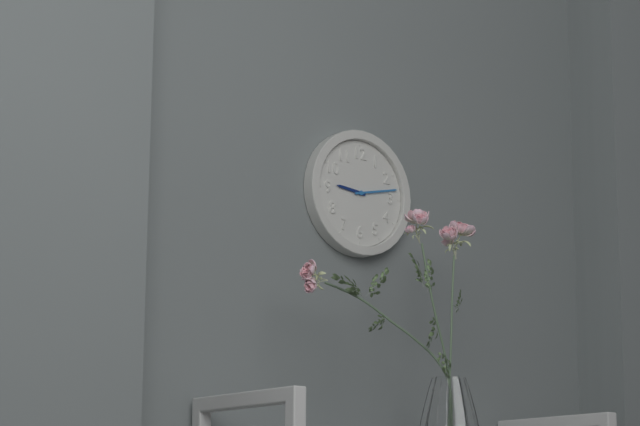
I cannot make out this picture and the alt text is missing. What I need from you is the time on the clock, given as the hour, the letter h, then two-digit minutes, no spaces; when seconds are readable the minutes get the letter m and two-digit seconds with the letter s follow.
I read 9h13
